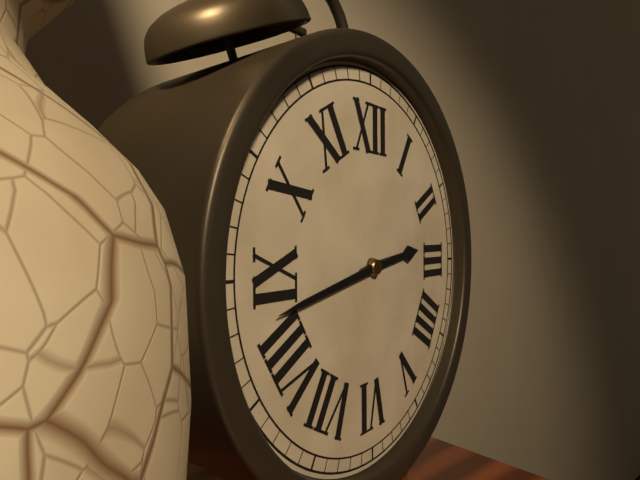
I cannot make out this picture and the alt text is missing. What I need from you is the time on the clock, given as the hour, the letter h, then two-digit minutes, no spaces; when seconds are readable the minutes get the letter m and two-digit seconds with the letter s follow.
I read 2h43
